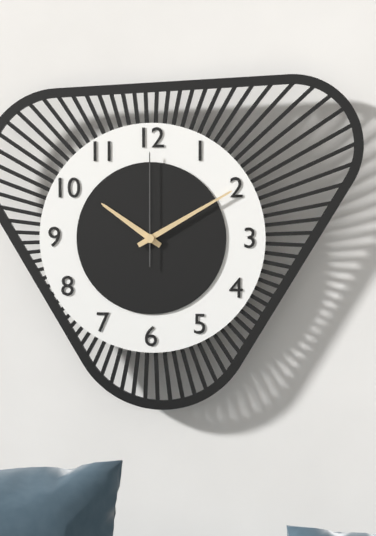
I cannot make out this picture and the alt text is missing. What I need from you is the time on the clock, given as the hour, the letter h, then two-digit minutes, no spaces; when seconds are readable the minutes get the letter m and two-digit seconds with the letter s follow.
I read 10h10m00s
